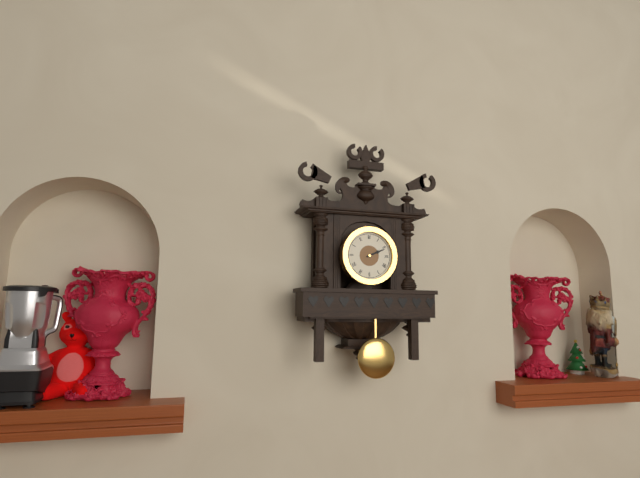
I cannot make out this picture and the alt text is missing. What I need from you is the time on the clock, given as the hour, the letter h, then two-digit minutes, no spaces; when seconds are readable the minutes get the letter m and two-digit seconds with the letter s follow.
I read 2h11
